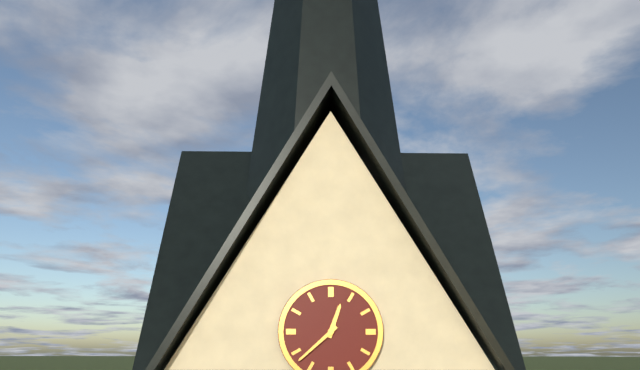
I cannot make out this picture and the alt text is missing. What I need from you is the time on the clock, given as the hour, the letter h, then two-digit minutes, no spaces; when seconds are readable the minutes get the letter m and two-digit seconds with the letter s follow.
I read 12h38
